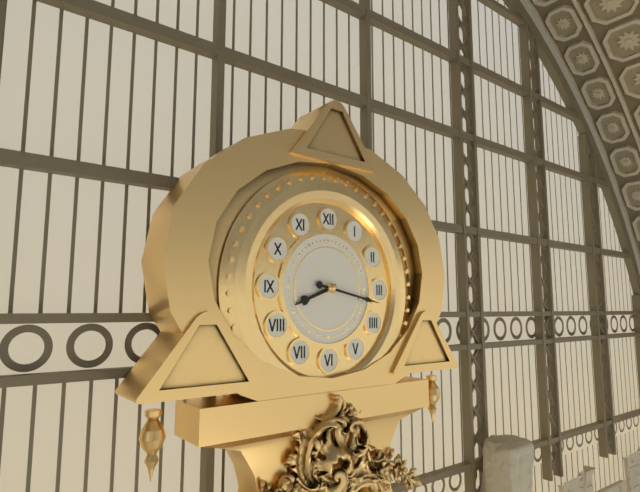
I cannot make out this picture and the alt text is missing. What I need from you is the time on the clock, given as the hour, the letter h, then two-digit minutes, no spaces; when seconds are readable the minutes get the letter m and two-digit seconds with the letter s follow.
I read 8h17
